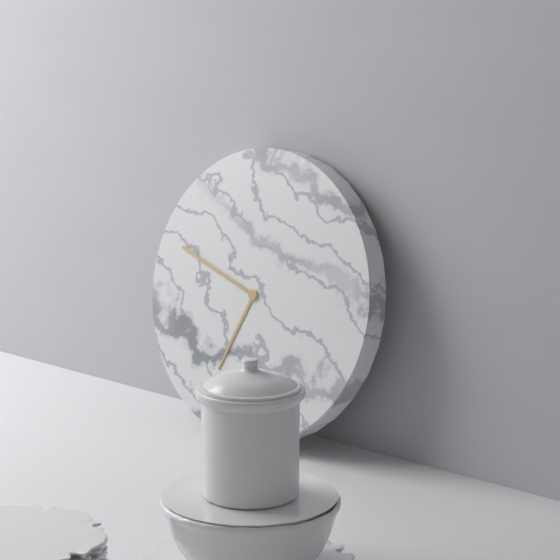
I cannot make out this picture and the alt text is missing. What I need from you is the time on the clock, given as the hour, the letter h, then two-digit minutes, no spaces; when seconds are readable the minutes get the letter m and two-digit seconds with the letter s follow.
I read 6h48
